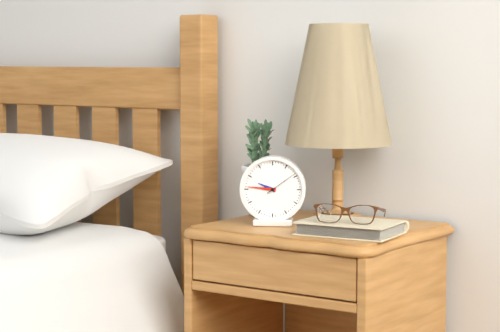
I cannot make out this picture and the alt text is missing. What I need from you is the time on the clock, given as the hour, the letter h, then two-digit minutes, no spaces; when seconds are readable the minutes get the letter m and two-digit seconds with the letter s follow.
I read 9h46
